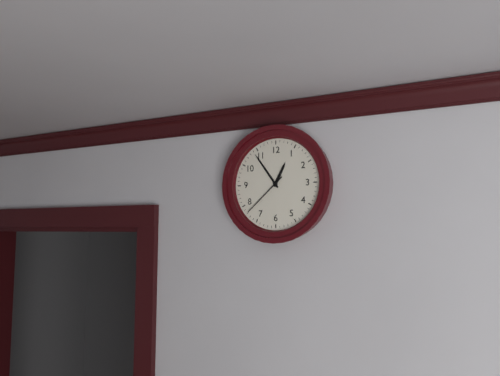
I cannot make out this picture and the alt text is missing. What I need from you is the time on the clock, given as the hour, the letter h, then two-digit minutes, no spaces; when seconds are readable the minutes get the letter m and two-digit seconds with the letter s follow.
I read 12h54
